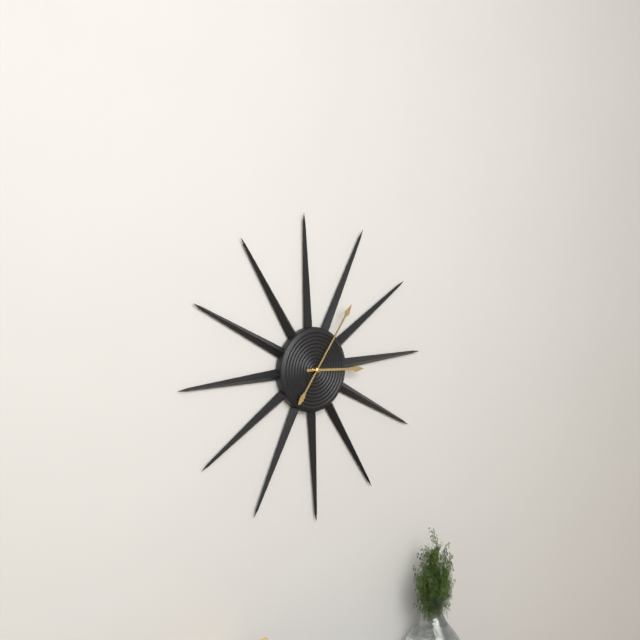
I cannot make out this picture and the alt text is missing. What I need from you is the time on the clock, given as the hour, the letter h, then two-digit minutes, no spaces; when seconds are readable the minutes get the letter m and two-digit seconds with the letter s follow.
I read 3h06
